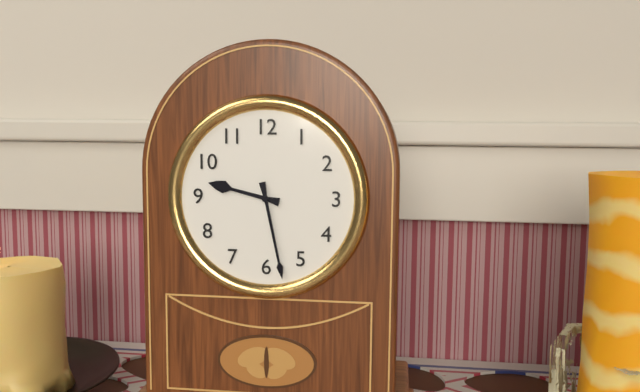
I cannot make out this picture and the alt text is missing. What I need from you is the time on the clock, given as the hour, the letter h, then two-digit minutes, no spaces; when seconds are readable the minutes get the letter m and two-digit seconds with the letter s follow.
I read 9h28
